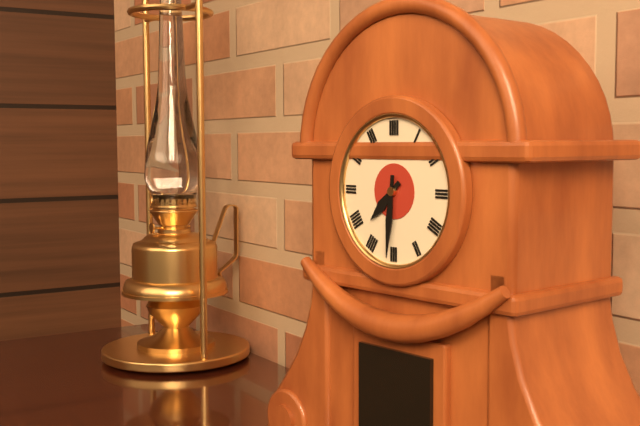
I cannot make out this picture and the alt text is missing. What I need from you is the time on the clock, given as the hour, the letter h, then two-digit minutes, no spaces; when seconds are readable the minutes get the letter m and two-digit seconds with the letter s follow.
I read 7h31
